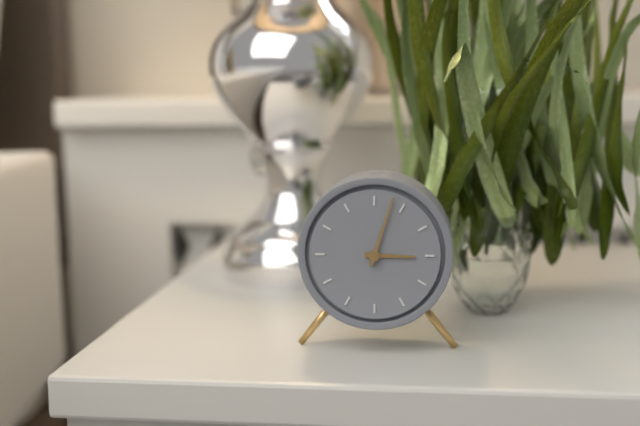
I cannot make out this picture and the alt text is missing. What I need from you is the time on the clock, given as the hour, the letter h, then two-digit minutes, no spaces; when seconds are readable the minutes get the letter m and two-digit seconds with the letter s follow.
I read 3h03
